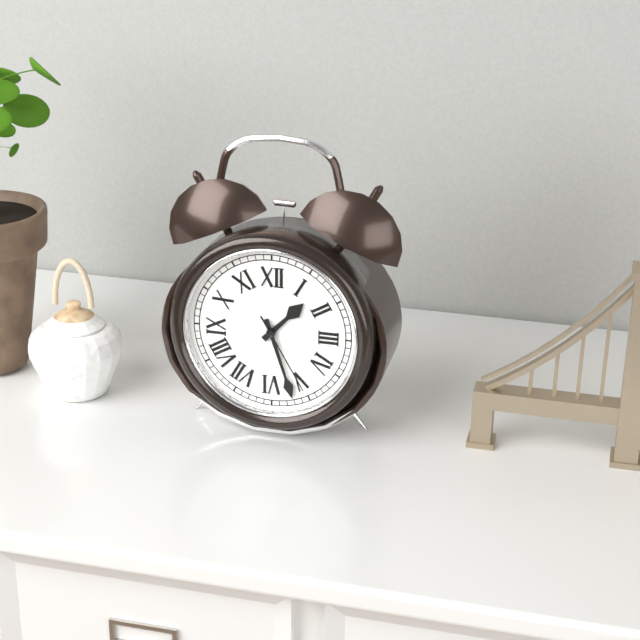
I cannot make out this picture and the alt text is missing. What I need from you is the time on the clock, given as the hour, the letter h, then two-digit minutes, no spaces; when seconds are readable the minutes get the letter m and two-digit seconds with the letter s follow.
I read 1h27m25s
